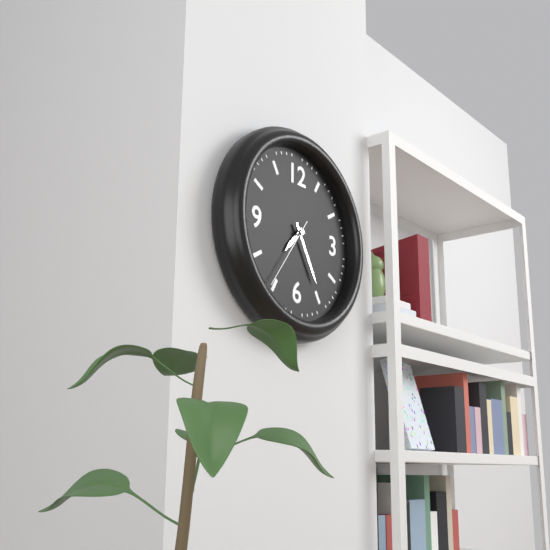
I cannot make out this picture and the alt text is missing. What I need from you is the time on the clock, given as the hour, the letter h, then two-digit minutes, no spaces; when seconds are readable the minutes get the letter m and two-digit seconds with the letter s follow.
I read 7h25m36s
